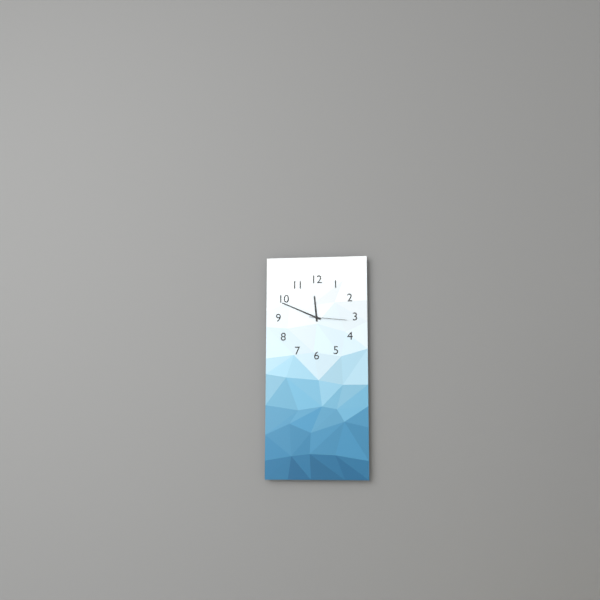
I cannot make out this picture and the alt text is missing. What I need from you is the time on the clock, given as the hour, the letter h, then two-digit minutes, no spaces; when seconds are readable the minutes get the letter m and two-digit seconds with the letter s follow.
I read 11h49
